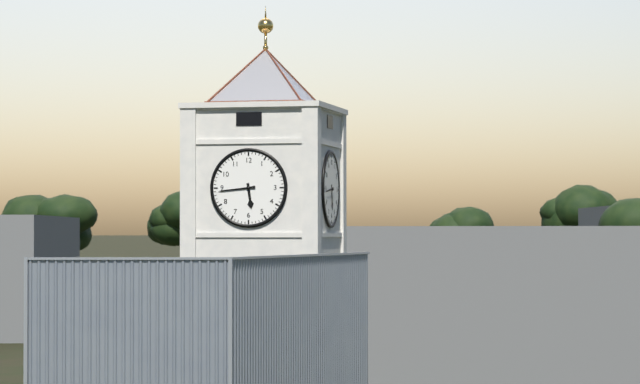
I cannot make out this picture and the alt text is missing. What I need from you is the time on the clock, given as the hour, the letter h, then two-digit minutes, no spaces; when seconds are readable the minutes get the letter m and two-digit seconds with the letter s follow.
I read 5h44
